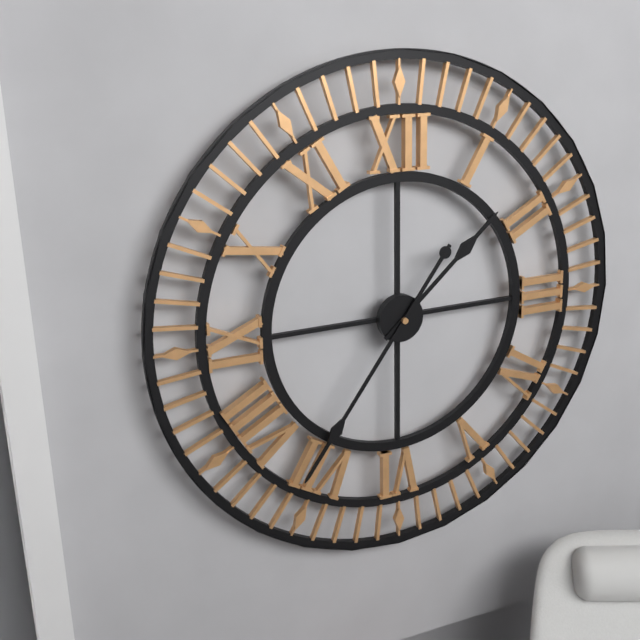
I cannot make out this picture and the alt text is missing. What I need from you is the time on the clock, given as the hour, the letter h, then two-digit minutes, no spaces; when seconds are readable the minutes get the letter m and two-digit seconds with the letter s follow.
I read 1h36
